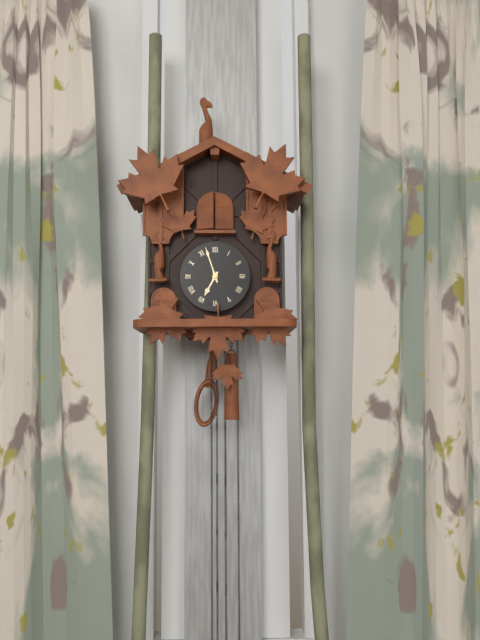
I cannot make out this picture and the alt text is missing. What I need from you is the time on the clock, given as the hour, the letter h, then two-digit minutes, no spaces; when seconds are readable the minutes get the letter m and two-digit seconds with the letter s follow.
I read 6h57
